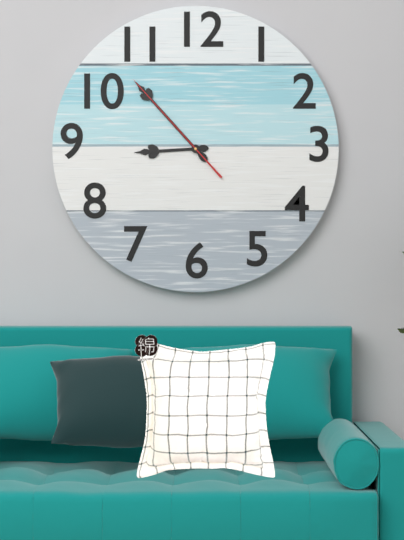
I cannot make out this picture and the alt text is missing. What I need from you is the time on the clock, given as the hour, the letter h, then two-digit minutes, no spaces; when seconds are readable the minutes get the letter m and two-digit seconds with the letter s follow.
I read 8h53m53s
